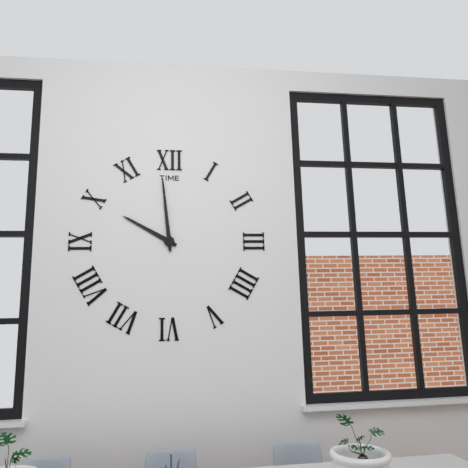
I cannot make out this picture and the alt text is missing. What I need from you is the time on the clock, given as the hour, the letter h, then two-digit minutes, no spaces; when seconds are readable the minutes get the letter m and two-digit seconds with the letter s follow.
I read 9h59
